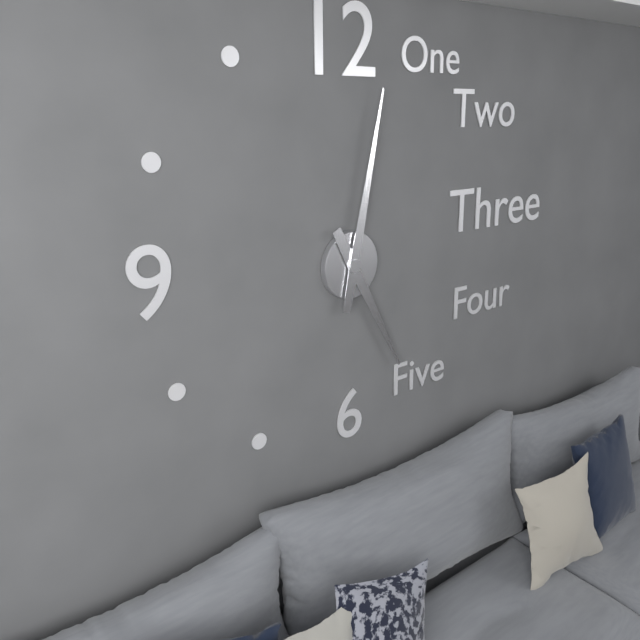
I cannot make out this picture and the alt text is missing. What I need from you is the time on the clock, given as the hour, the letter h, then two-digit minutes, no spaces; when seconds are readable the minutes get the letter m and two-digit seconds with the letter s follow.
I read 5h02
